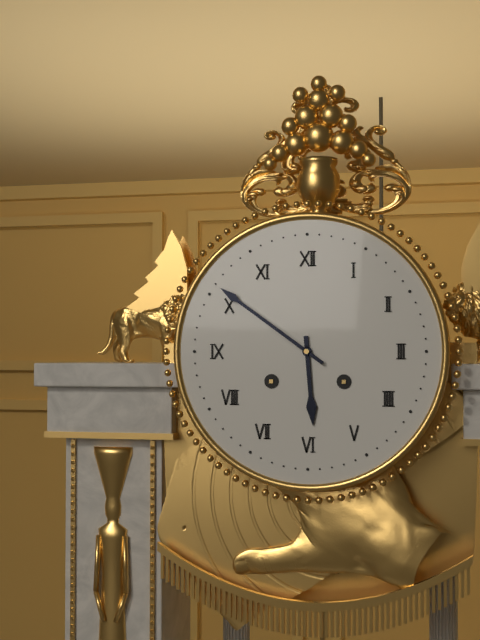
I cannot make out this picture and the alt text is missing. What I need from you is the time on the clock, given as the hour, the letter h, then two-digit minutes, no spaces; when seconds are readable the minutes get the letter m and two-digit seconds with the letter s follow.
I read 5h51
